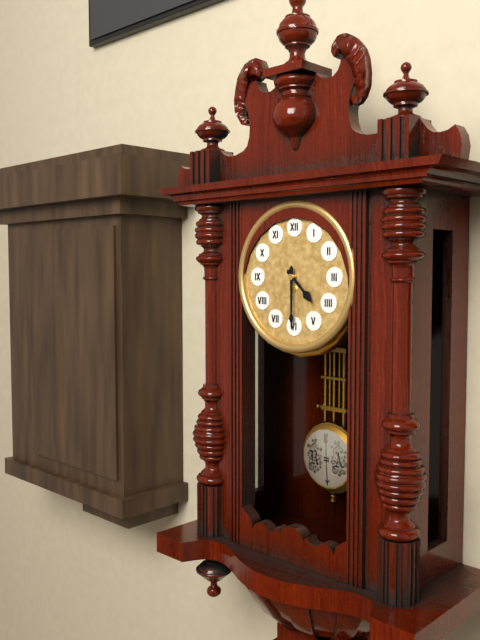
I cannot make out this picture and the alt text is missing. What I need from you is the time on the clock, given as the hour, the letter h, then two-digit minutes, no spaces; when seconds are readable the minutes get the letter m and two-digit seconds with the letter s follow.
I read 4h30
